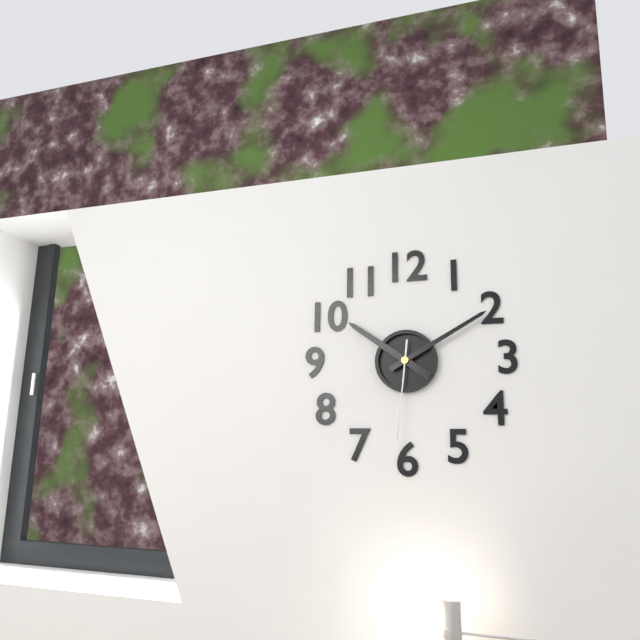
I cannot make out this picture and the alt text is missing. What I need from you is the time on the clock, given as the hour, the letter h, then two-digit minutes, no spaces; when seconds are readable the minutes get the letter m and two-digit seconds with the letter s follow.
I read 10h10m31s
